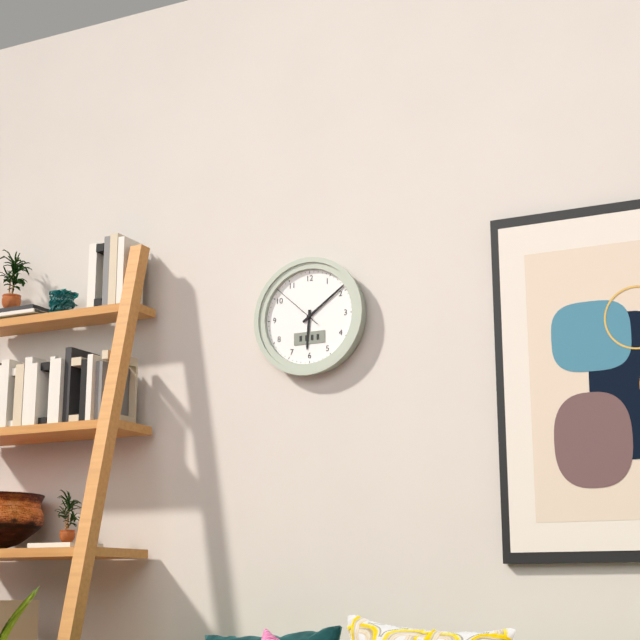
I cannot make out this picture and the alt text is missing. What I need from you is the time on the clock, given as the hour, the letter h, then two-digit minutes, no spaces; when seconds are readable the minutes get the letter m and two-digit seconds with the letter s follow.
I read 6h09m52s
